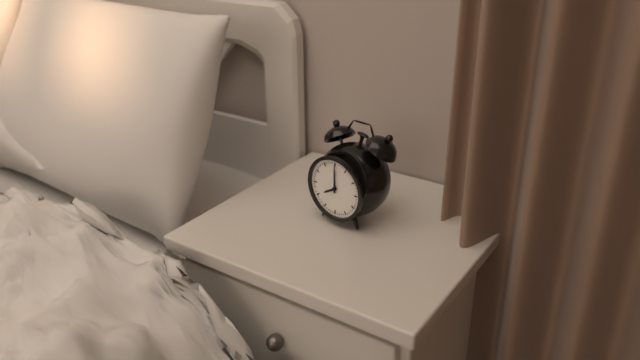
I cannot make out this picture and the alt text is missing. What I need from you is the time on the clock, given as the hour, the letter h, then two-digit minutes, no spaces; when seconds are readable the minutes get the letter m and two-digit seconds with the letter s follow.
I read 8h00
